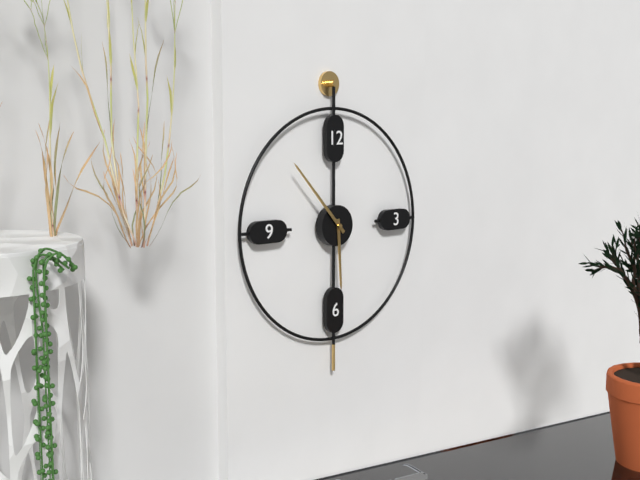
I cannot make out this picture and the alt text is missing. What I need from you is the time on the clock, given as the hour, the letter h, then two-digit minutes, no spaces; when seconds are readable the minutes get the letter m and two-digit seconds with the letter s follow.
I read 5h53
